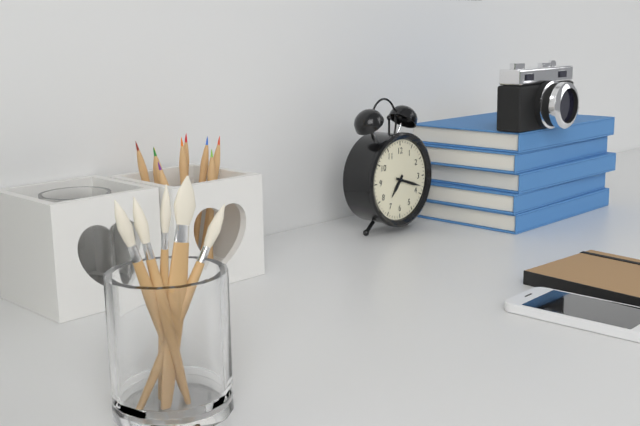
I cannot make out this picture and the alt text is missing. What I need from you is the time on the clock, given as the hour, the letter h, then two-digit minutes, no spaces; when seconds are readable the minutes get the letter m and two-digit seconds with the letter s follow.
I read 7h18
